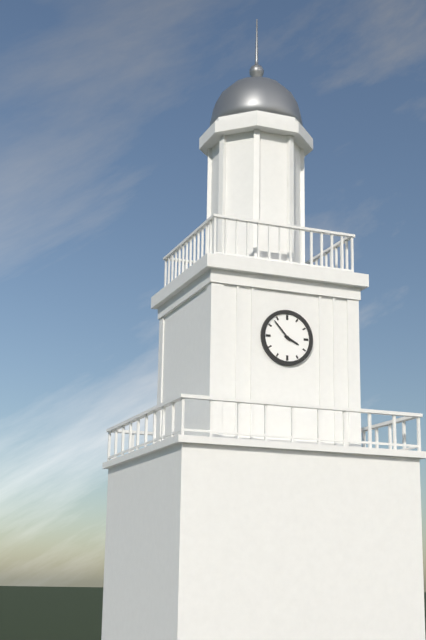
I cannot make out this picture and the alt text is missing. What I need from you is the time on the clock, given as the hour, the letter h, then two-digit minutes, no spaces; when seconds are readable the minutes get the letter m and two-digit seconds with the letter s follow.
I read 3h53
